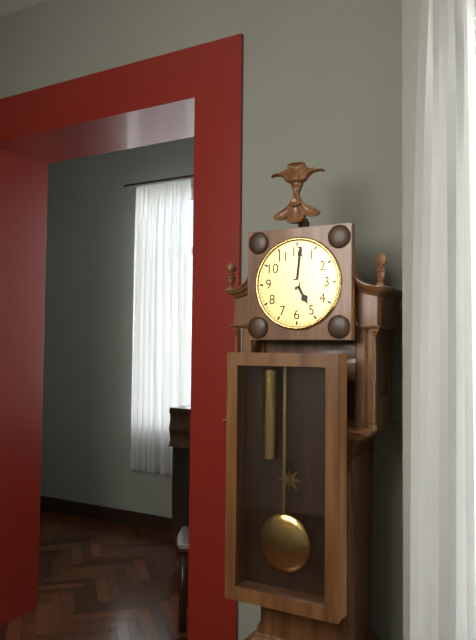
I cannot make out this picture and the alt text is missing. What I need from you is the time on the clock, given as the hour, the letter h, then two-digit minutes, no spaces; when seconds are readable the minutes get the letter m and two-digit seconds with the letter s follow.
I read 5h01
